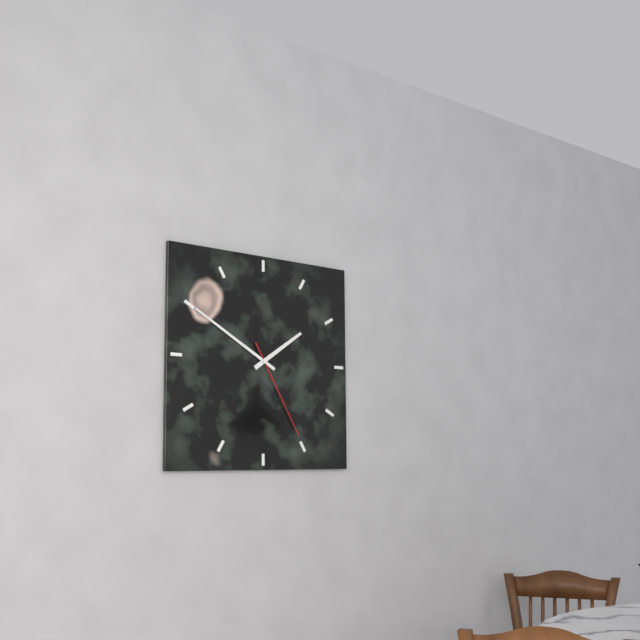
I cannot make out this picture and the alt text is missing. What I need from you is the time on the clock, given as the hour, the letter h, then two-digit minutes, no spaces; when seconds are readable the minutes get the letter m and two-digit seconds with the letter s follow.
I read 1h50m25s
